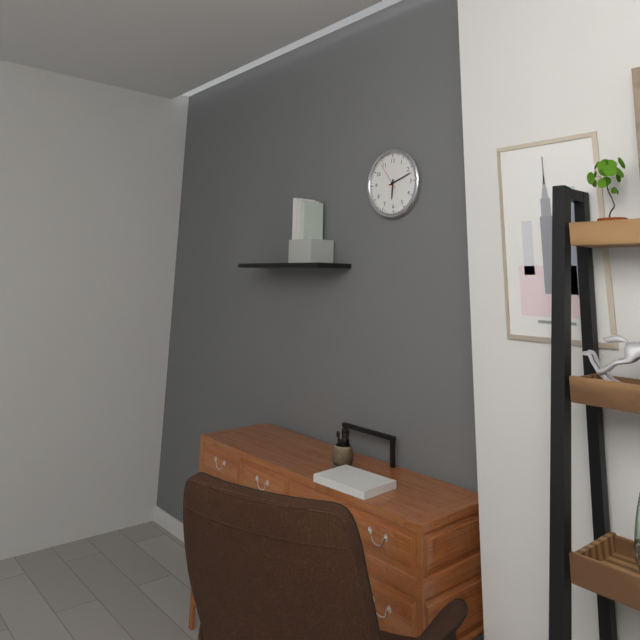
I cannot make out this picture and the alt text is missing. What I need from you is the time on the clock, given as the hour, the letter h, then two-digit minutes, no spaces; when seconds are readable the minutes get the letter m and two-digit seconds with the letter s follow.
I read 6h12
